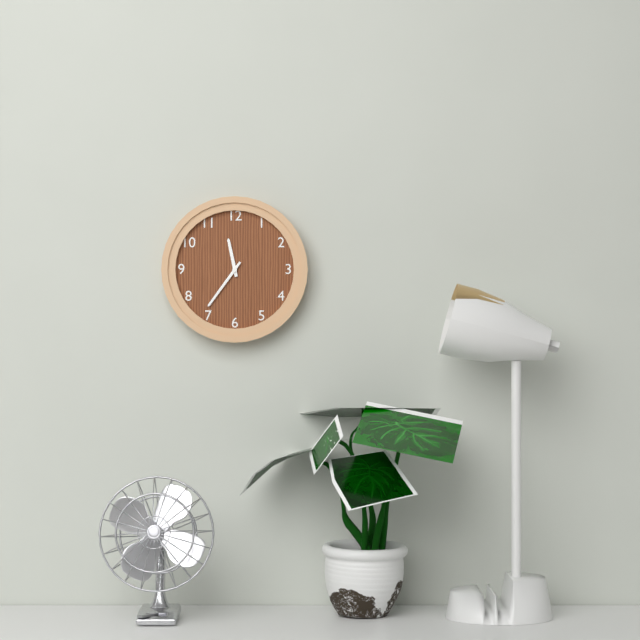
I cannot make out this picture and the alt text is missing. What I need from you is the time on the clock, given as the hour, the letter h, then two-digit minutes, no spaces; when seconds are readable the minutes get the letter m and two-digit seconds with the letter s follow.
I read 11h36
